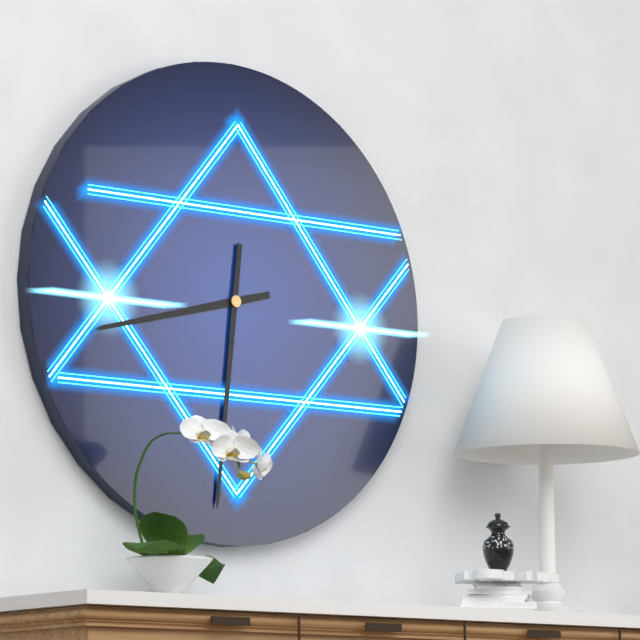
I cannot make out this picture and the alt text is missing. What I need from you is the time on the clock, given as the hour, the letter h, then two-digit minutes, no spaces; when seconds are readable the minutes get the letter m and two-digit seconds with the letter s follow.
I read 8h31
